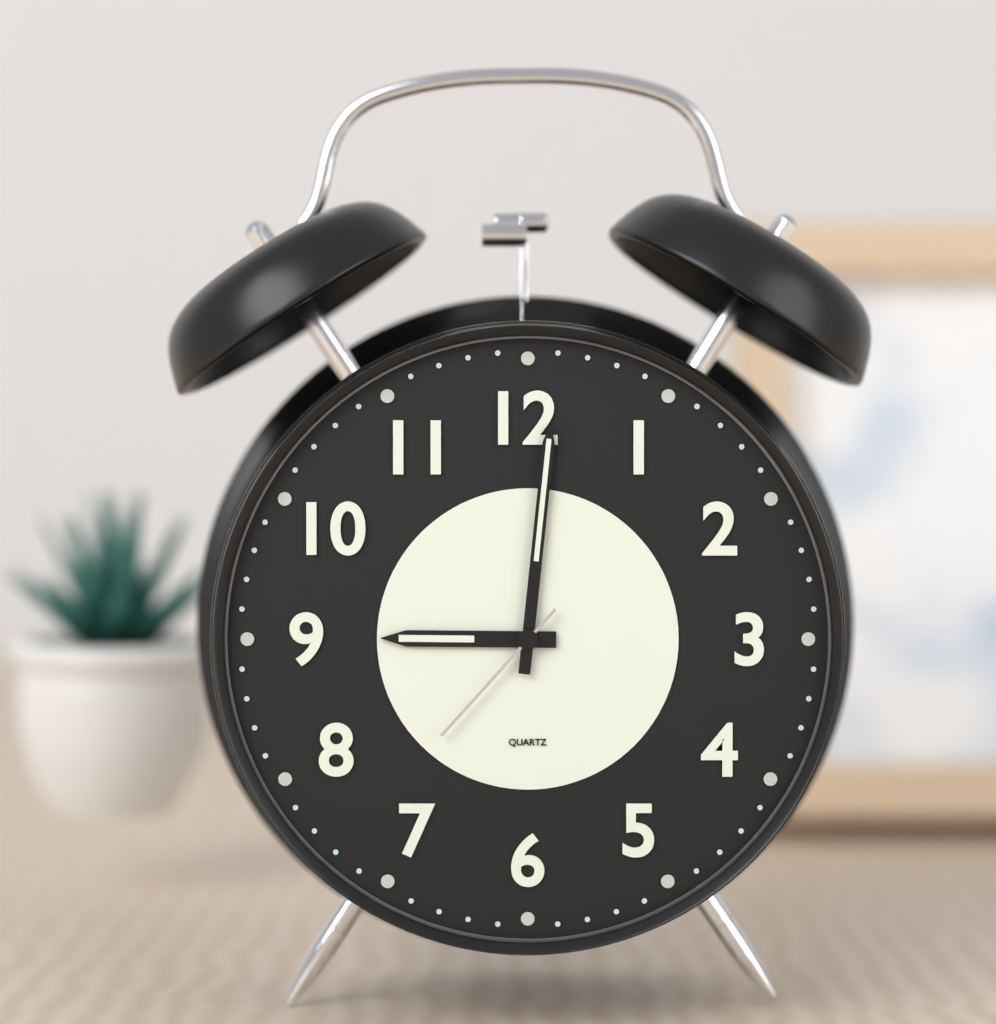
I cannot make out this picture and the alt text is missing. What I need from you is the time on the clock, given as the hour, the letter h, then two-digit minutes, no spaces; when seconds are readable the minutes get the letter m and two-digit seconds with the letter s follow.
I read 9h01m37s
